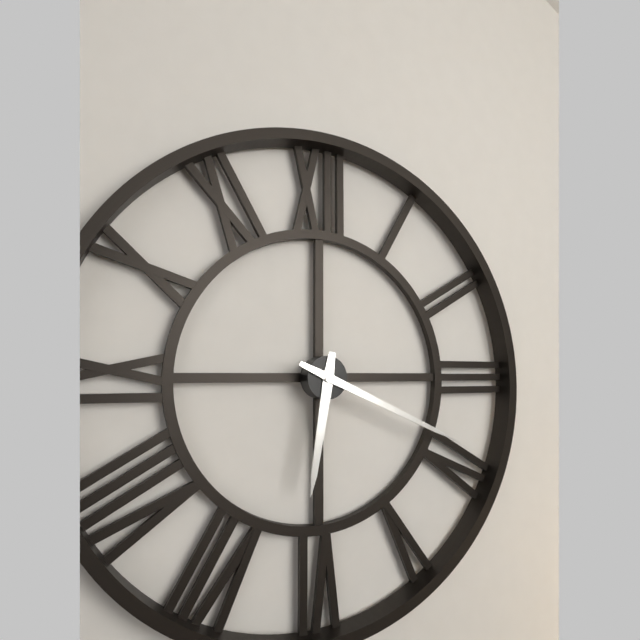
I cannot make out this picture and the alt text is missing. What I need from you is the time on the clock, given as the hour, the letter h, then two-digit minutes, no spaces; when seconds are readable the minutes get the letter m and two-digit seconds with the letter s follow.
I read 6h19
